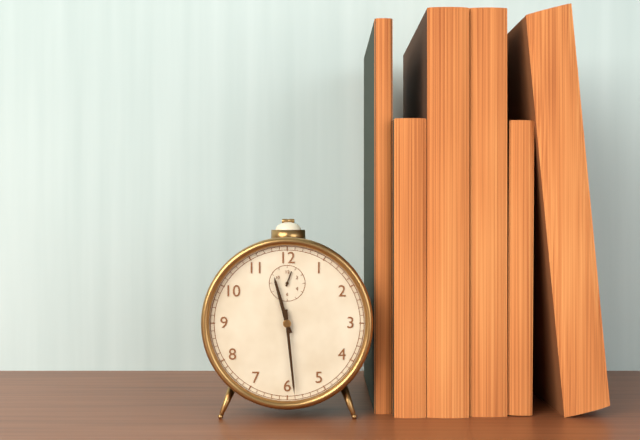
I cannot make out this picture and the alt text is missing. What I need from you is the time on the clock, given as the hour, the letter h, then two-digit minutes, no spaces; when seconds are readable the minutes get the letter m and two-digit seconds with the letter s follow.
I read 11h29
